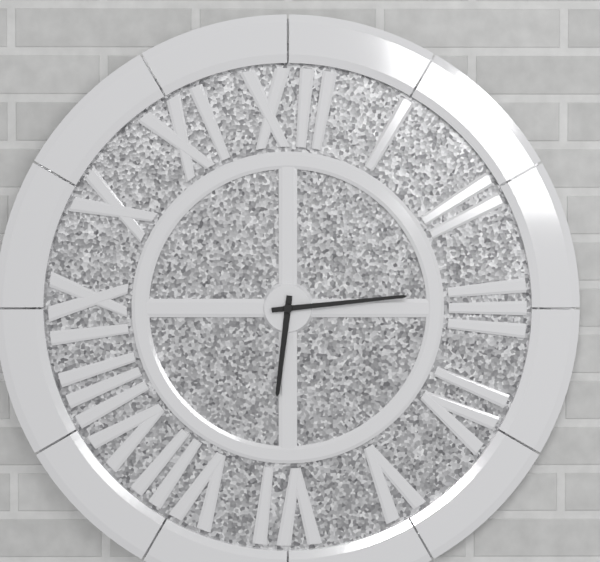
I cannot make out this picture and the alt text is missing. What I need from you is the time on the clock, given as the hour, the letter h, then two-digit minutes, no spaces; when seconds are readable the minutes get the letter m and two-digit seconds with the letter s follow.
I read 6h14
